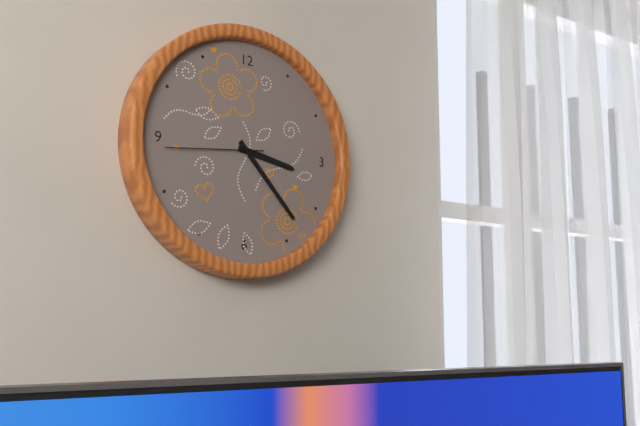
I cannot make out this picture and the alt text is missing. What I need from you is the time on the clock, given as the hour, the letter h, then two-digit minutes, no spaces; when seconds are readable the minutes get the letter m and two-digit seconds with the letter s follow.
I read 3h23m44s
